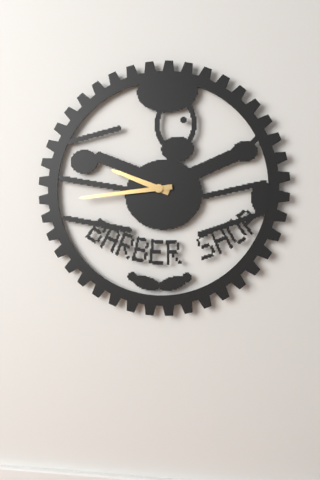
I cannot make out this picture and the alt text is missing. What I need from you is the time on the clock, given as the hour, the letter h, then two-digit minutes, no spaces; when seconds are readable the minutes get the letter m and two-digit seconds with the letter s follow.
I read 9h44
